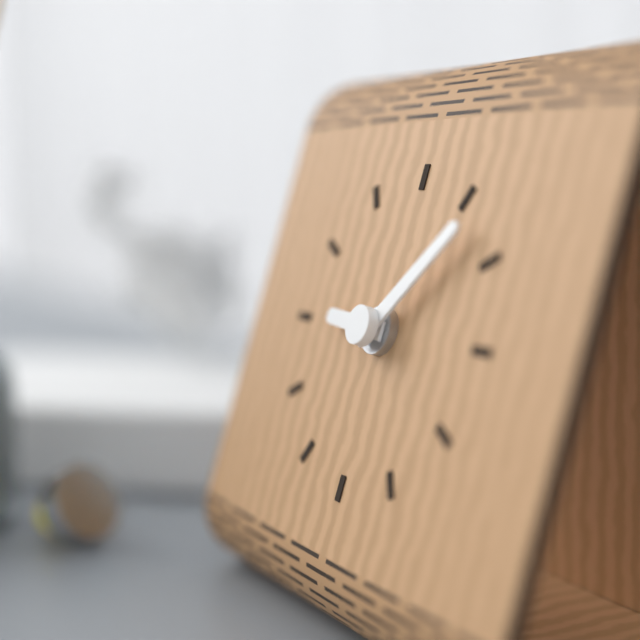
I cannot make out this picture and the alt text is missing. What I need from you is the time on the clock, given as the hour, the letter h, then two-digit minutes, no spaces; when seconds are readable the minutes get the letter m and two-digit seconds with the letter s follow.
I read 9h07
